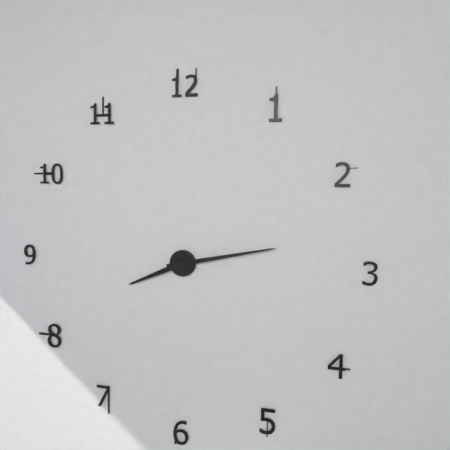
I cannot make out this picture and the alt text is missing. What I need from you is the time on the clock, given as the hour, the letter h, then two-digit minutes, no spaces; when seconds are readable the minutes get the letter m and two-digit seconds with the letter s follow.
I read 8h13
